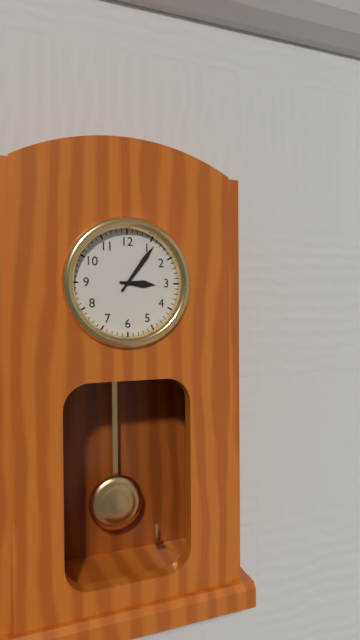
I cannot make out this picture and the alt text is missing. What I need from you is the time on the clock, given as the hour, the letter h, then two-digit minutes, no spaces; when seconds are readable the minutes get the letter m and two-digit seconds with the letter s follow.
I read 3h06
